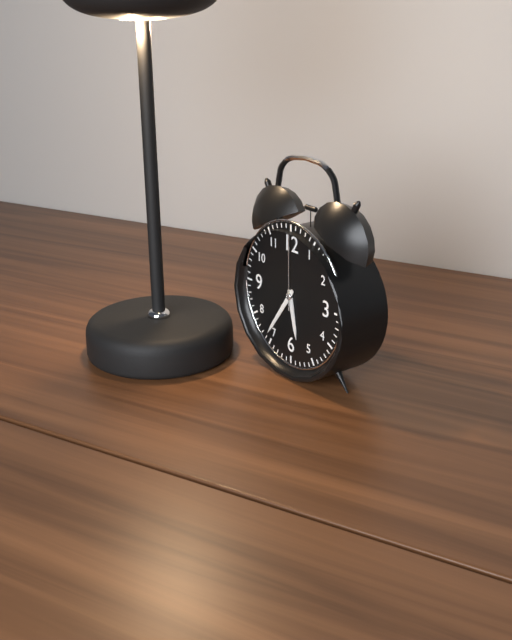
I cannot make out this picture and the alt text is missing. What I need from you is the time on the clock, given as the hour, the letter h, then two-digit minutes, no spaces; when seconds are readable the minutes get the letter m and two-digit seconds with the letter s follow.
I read 5h36m00s
